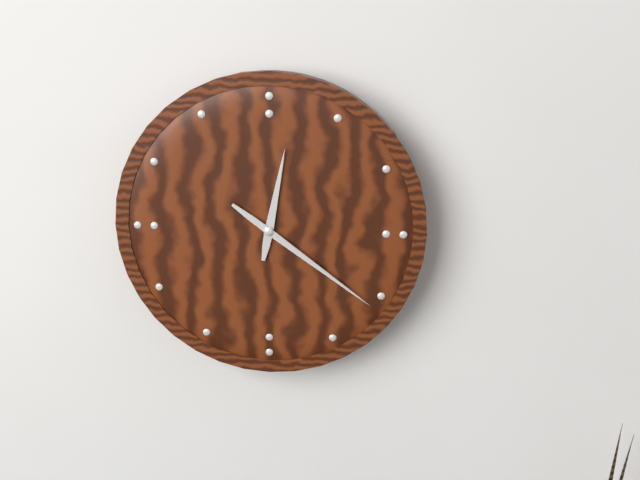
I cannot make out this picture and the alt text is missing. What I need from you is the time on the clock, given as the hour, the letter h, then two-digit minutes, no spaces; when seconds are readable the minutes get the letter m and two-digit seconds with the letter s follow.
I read 12h21
